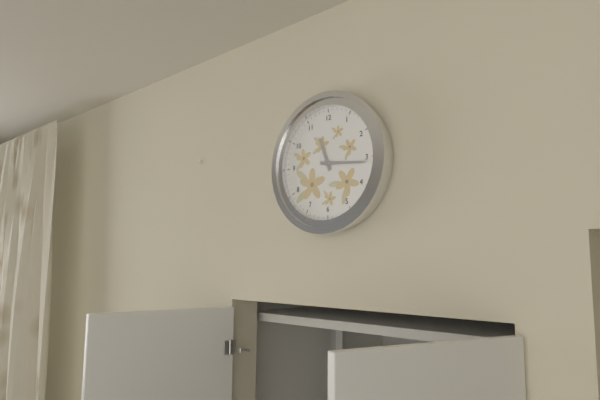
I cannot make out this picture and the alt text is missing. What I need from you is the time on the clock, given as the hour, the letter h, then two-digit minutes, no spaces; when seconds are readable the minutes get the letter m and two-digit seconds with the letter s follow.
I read 11h16
